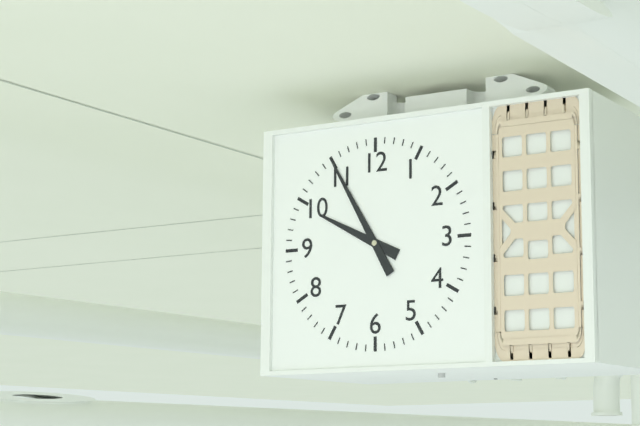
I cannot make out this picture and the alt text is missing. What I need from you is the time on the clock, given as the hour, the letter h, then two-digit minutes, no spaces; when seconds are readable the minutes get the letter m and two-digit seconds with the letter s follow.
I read 9h55
